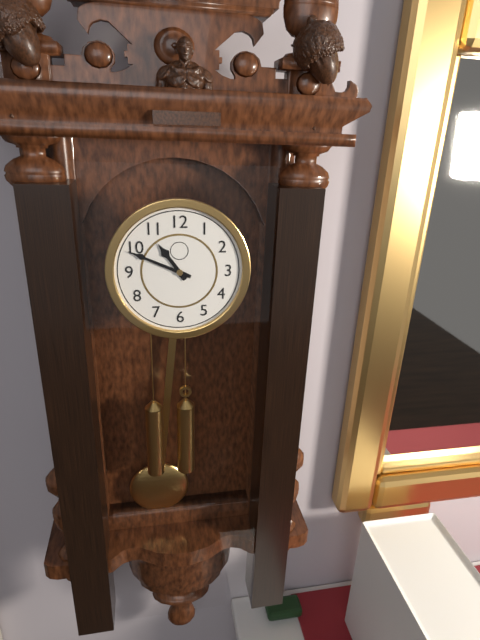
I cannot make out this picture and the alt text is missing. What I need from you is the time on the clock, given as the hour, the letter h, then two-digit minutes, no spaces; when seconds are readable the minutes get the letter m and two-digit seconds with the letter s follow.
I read 10h49
